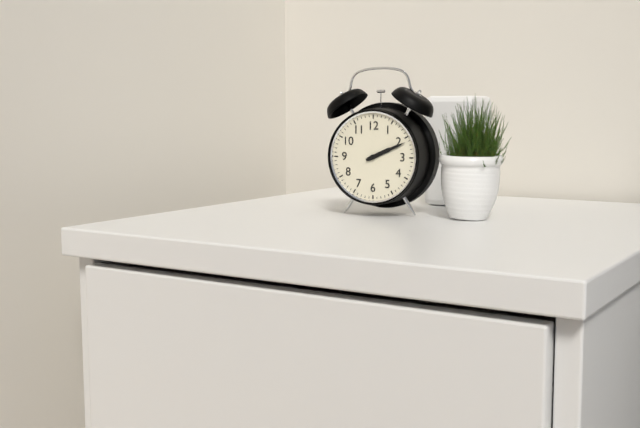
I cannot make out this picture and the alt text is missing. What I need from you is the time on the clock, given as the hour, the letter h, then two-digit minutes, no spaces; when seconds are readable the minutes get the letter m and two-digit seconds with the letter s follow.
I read 2h11
